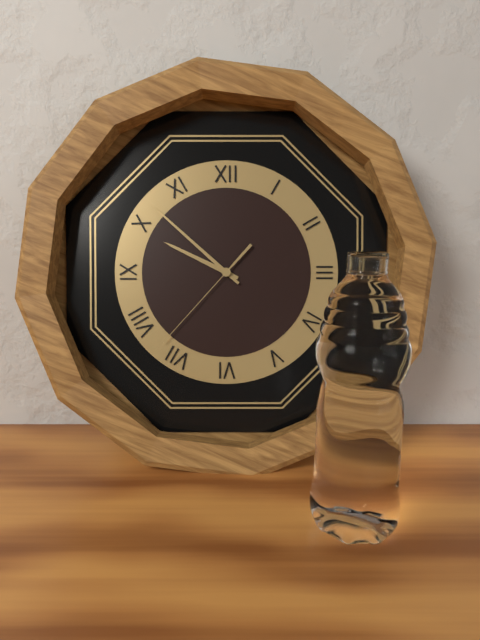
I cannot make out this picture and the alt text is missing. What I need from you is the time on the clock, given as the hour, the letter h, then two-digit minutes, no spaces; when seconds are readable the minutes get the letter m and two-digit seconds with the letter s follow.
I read 9h52m37s
